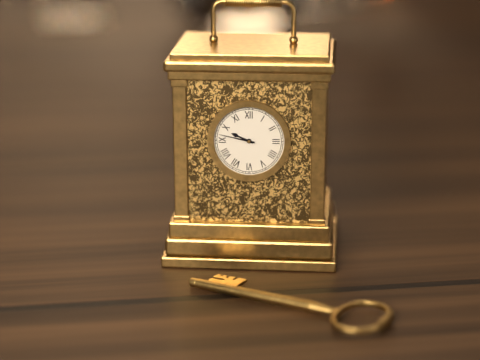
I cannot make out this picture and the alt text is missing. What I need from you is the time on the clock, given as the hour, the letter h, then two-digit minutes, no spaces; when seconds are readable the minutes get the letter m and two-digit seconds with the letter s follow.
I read 9h47
